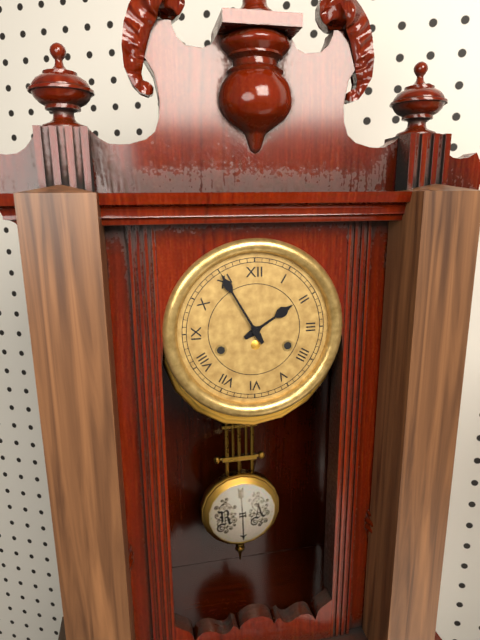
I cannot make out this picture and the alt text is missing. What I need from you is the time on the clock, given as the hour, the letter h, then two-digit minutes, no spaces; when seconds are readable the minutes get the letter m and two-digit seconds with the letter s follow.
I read 1h55
